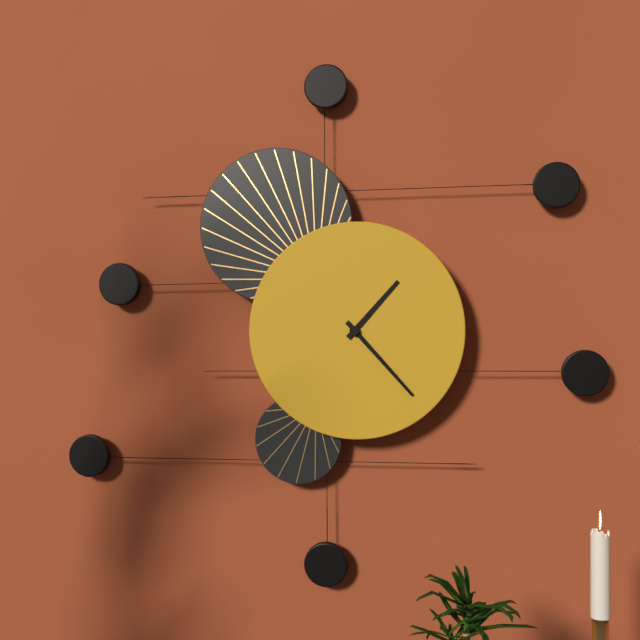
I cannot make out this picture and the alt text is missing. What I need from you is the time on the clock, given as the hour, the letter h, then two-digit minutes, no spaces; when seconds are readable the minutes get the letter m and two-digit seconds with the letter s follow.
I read 1h23
